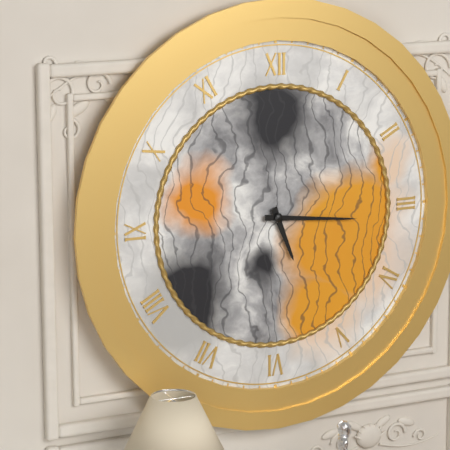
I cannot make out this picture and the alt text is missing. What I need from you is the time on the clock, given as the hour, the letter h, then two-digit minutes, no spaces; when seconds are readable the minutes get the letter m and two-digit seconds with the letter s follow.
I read 5h16
